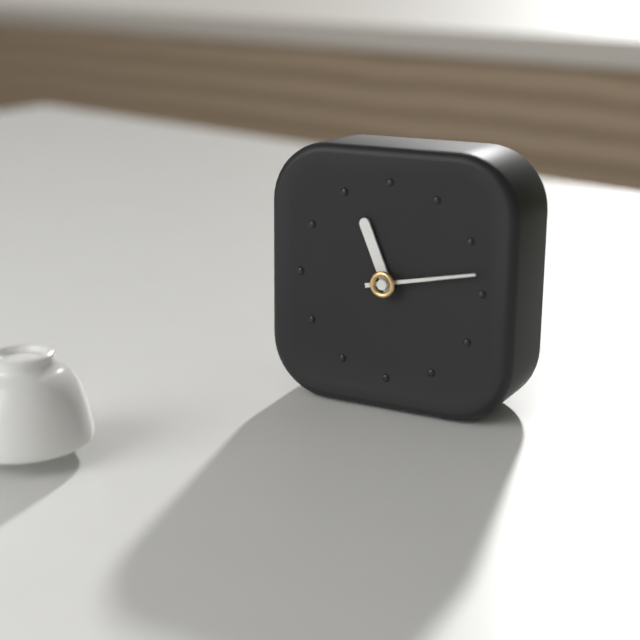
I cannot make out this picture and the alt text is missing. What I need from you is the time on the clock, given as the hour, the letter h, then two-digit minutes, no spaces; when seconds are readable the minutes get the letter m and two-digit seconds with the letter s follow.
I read 11h13
